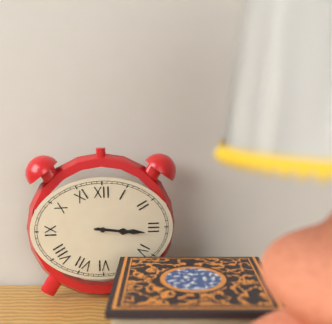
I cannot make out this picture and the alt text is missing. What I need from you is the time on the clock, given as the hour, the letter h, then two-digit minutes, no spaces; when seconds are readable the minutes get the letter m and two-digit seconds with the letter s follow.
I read 3h16
